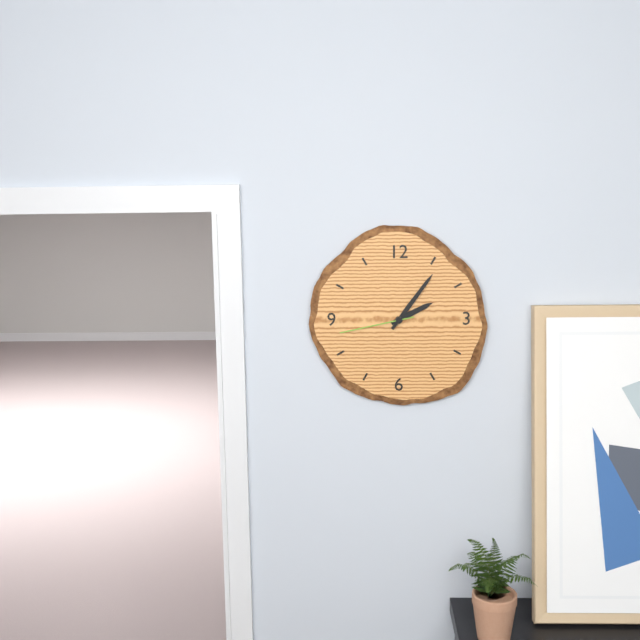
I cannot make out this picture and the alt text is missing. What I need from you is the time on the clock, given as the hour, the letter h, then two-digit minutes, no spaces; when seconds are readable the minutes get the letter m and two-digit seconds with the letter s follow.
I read 2h06m43s
